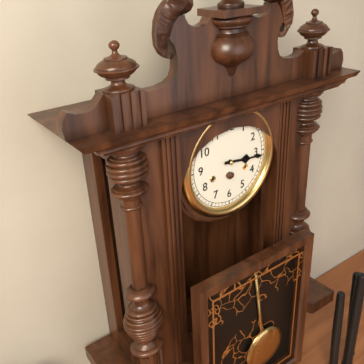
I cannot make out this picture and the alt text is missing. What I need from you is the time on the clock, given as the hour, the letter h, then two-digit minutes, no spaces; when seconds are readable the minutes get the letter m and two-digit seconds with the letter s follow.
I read 3h16
